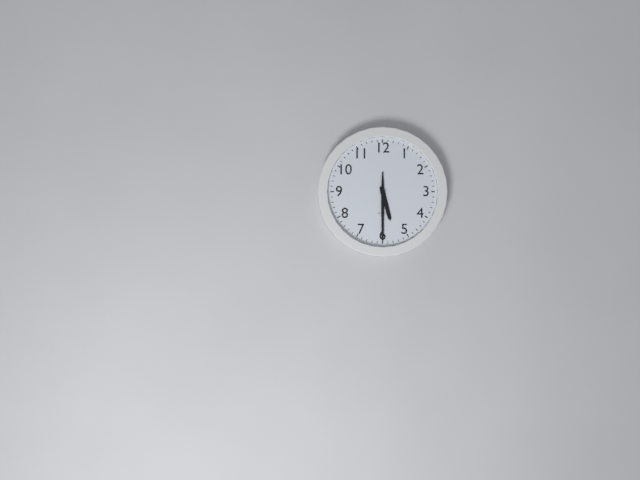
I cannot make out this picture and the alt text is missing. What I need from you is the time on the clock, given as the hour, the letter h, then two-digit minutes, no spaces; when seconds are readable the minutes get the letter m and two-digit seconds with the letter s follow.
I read 5h30
